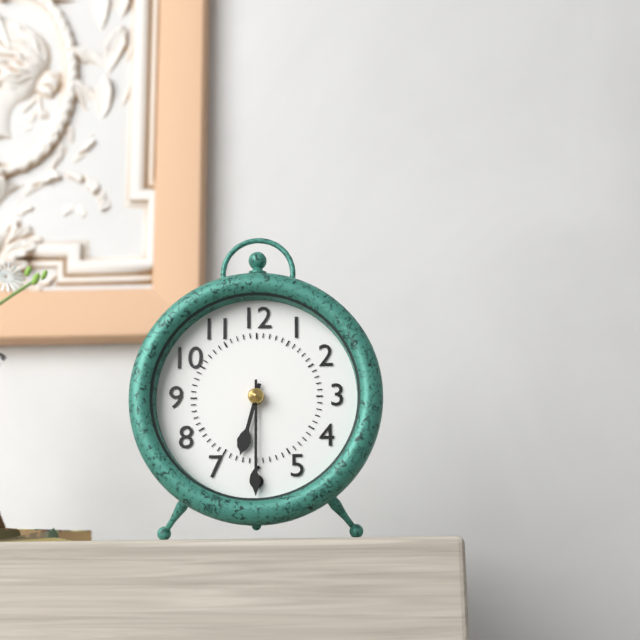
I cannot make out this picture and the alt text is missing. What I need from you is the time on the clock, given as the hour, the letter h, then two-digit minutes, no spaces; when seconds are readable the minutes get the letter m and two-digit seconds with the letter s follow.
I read 6h30
